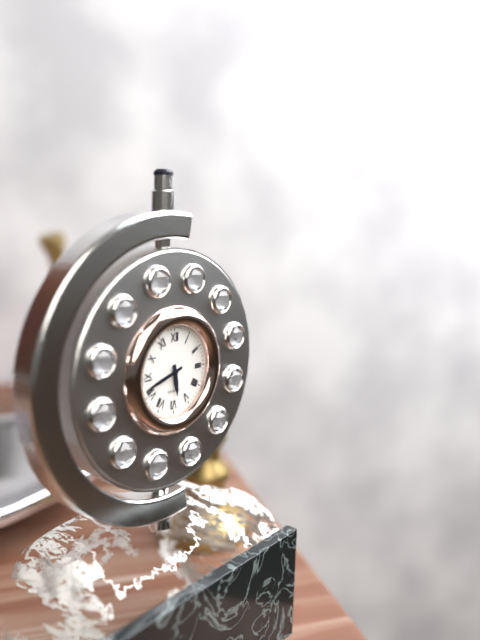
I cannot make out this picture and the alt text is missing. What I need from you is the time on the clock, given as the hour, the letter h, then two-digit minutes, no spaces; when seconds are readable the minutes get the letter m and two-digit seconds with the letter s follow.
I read 5h42
